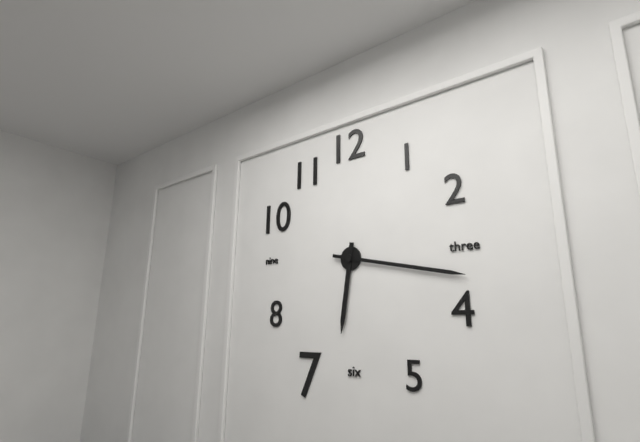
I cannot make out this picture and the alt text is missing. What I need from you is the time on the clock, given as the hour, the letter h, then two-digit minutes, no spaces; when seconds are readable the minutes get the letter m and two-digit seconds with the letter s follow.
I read 6h17
